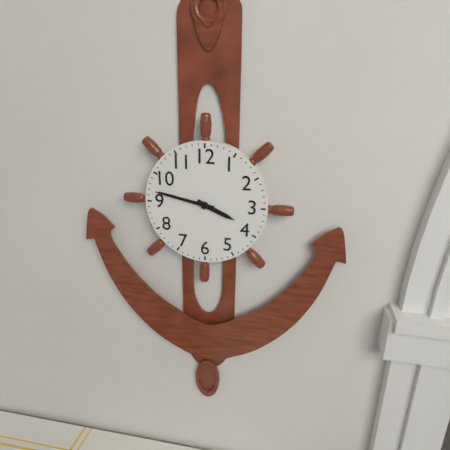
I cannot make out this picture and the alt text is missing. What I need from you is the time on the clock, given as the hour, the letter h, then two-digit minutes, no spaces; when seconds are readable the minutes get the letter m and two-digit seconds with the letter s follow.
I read 3h47
